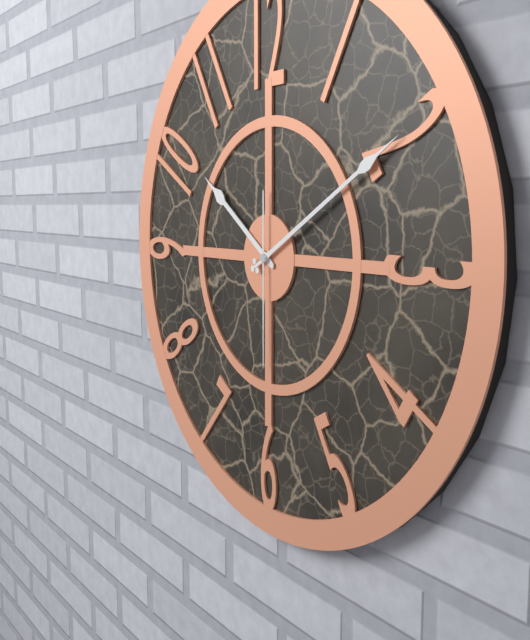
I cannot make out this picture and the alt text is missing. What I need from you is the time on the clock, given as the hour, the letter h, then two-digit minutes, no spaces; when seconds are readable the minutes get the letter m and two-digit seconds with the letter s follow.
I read 10h10m30s
